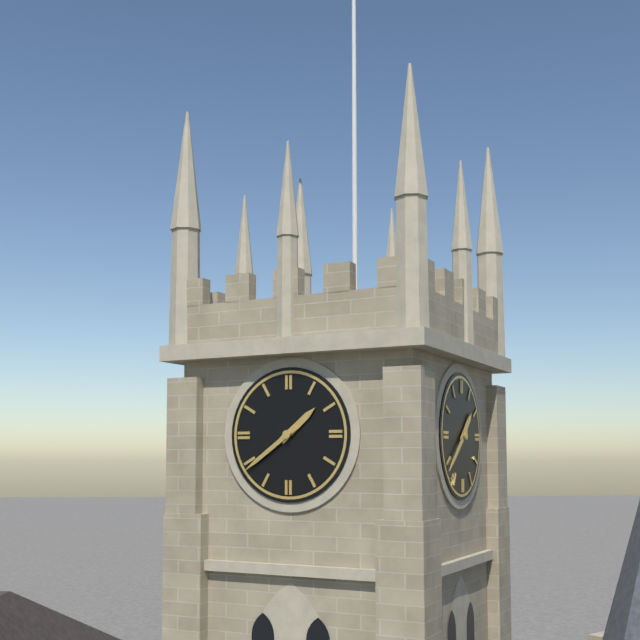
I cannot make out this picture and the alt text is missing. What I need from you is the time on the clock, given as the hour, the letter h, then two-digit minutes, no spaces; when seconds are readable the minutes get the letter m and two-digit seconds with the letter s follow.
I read 1h39
